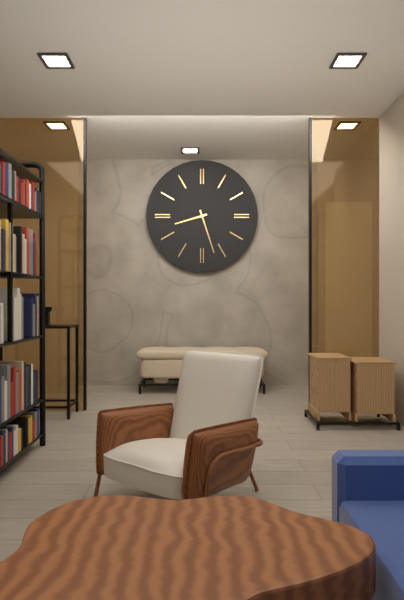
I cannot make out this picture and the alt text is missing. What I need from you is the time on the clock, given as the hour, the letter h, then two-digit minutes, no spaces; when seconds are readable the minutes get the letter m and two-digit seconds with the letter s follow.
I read 8h27
